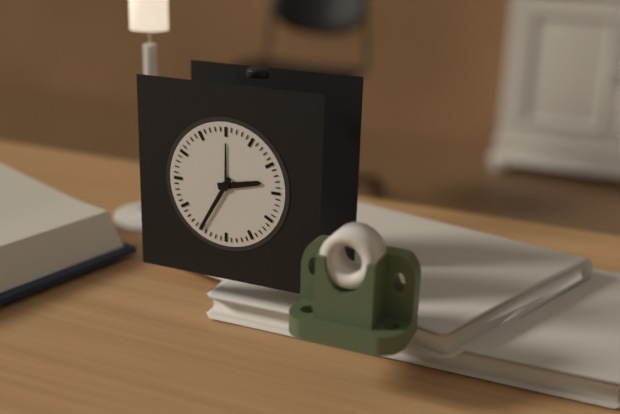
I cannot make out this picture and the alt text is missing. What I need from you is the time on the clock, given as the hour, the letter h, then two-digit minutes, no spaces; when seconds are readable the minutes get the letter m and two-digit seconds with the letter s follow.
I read 2h35
